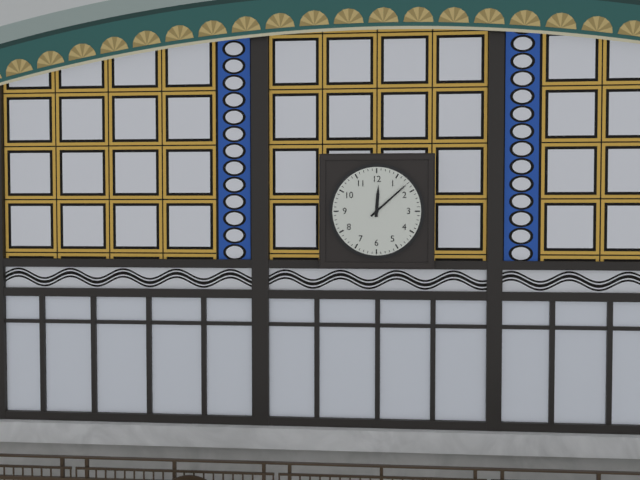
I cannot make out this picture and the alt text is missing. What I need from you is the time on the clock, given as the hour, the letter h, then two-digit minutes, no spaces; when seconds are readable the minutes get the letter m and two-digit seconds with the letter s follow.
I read 12h08
